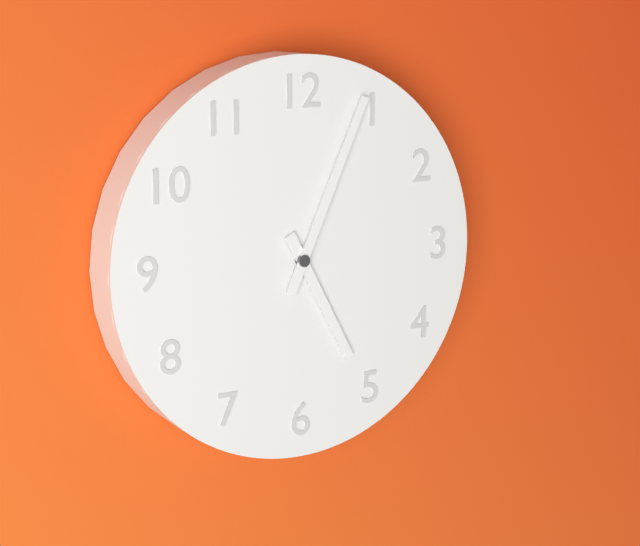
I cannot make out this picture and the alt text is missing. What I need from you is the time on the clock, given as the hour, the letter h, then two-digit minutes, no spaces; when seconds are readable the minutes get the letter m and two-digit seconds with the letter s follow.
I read 5h04
